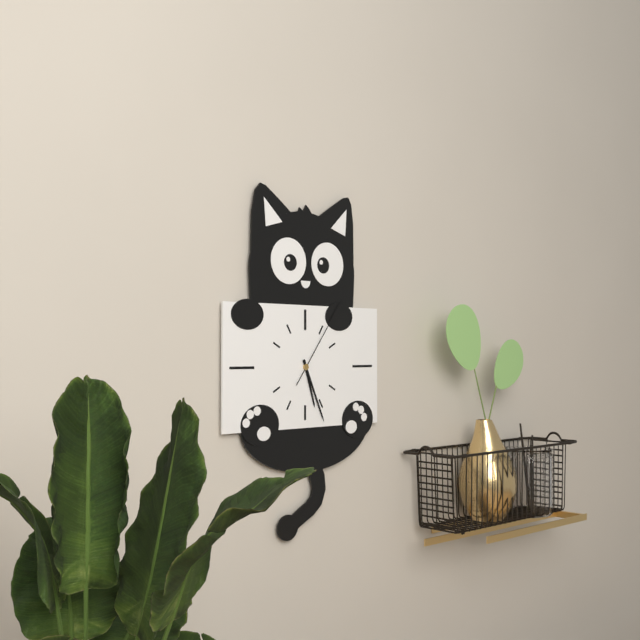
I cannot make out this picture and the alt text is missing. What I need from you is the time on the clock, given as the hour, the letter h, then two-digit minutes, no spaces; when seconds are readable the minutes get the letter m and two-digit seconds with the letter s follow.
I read 5h26m06s
